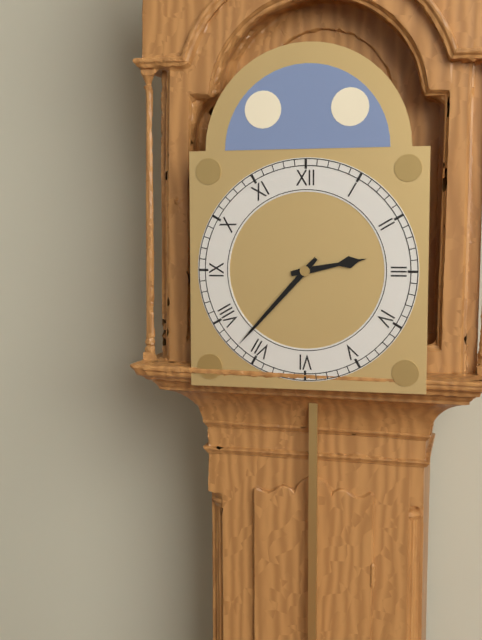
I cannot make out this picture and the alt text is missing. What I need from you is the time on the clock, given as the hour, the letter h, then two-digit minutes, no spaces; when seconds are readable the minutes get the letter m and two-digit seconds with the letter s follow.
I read 2h37
